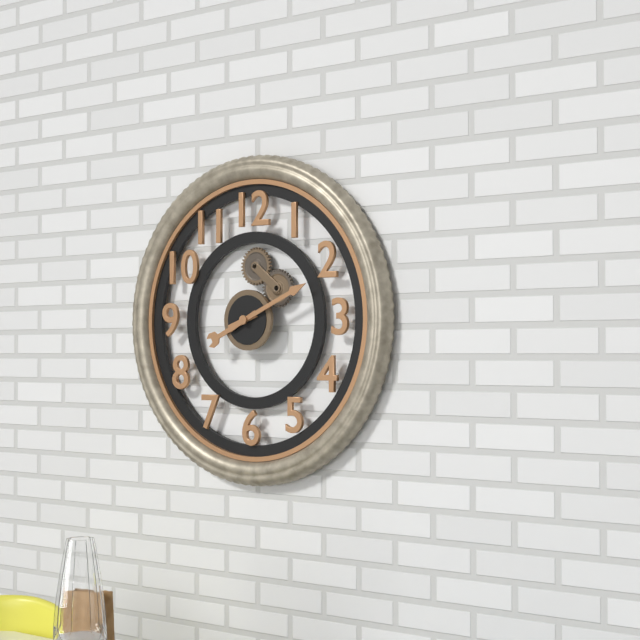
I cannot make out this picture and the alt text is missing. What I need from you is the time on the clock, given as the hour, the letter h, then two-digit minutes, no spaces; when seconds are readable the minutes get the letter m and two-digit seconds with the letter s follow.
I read 8h11
